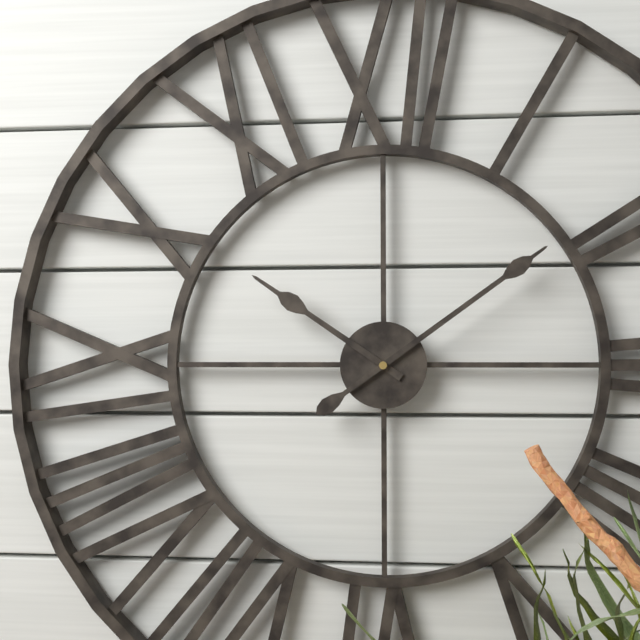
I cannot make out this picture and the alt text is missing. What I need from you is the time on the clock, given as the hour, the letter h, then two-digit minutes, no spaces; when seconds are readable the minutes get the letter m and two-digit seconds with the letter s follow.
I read 10h09
